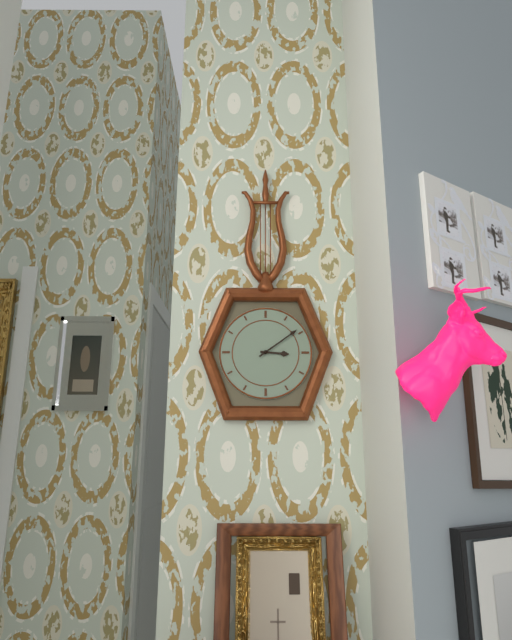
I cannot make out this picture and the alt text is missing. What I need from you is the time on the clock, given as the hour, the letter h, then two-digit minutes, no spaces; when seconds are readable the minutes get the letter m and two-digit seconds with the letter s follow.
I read 3h09
